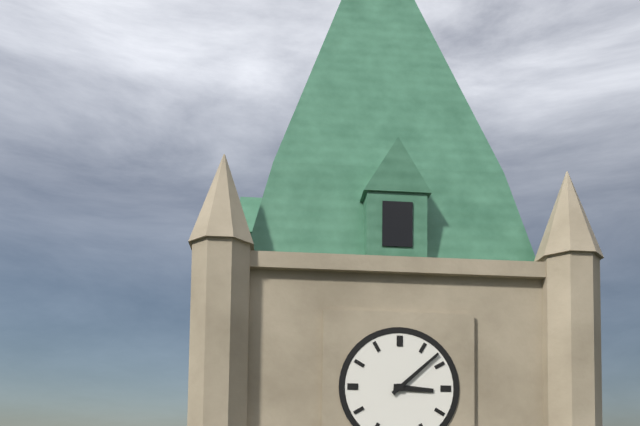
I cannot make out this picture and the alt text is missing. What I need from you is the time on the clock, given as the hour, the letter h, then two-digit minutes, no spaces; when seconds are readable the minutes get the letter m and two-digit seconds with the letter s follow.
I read 3h08
